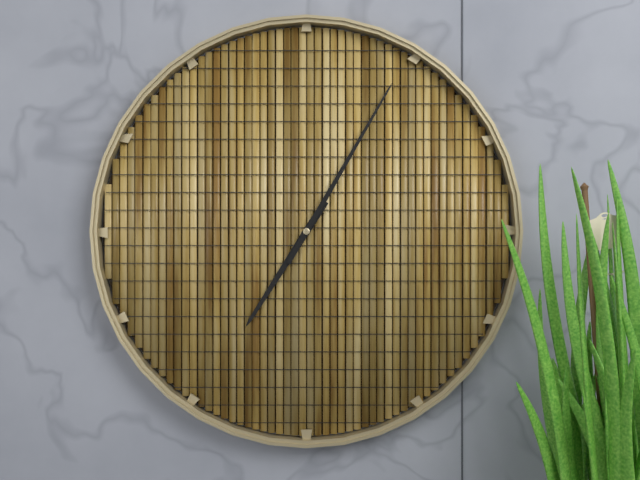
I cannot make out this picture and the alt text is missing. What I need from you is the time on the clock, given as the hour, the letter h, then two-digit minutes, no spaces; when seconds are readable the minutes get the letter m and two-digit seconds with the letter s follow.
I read 7h05
